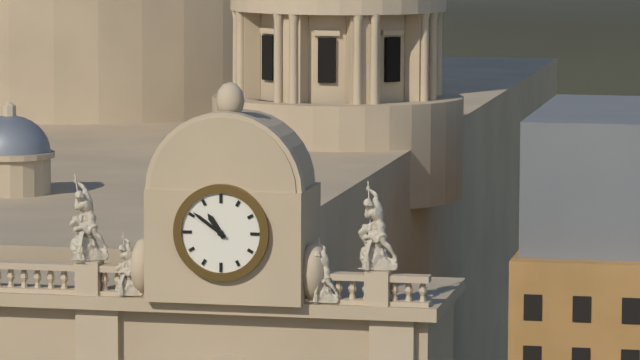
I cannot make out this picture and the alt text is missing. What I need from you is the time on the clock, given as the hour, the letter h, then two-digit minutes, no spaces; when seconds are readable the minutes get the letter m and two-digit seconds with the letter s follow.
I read 10h51
